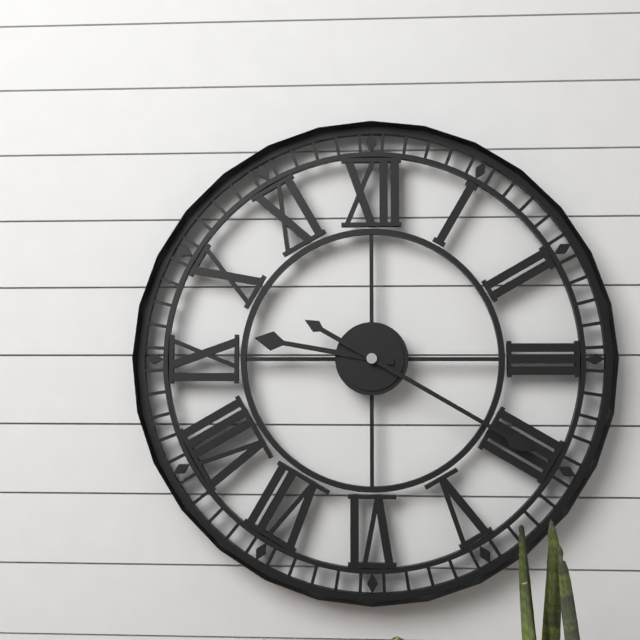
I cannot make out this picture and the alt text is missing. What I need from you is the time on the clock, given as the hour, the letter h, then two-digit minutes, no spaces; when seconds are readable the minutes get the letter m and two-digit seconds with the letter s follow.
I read 9h20
